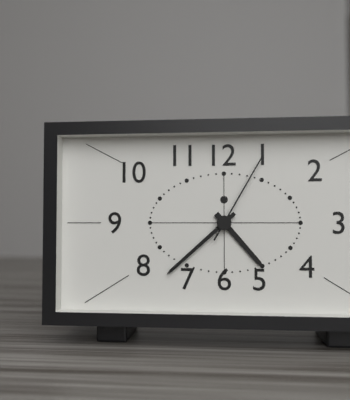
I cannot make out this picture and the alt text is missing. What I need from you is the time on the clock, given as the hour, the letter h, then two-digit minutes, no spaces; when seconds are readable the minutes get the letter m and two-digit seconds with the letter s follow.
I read 4h38m05s
